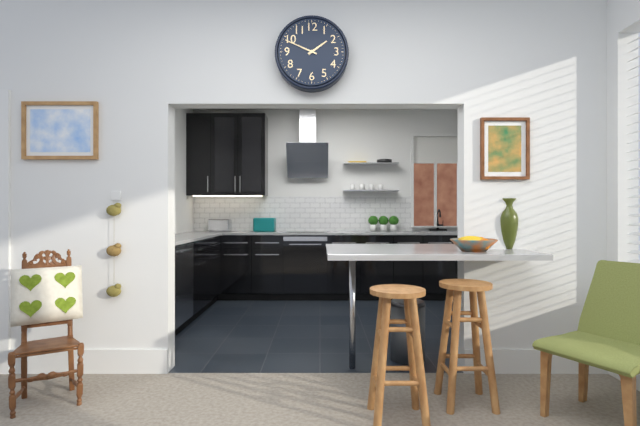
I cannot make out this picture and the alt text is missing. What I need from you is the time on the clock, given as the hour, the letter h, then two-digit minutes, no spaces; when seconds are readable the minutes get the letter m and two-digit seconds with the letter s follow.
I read 1h49
